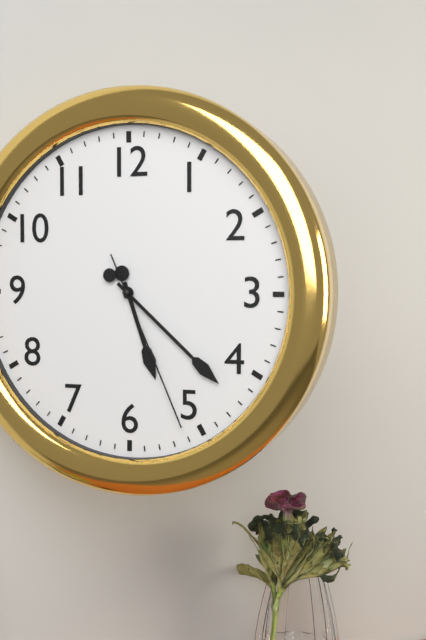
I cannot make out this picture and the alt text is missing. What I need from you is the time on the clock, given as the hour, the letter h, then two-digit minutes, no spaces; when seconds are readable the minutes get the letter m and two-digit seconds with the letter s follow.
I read 5h22m26s
